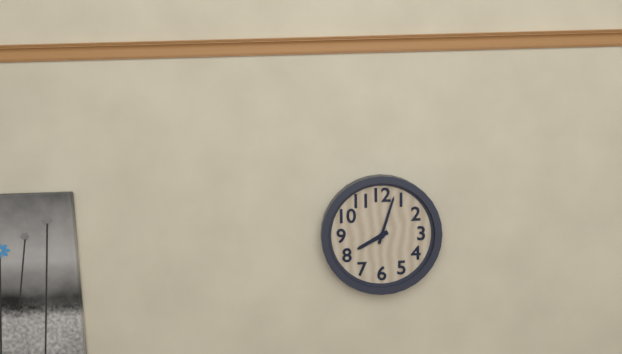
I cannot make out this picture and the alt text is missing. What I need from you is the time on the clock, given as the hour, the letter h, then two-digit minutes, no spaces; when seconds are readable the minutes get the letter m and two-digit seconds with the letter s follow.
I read 8h03
